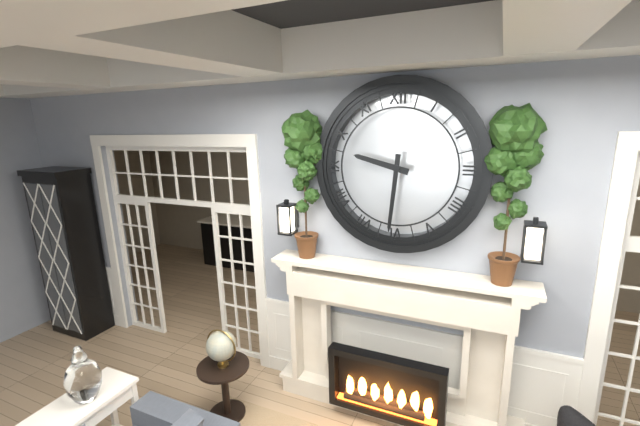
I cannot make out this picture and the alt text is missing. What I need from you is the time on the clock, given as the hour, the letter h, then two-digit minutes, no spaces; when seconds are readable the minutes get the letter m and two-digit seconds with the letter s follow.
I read 9h31
